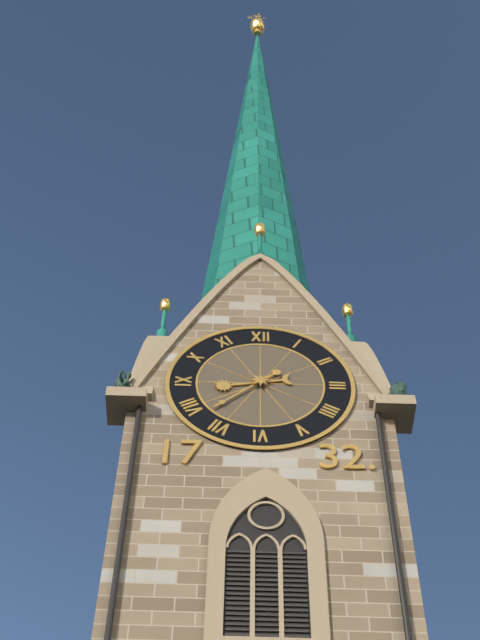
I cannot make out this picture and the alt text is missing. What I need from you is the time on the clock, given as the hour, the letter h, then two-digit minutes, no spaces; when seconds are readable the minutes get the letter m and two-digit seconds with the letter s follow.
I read 8h38
